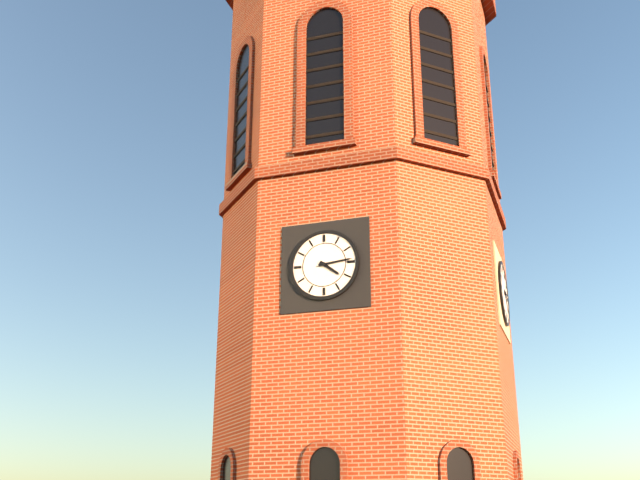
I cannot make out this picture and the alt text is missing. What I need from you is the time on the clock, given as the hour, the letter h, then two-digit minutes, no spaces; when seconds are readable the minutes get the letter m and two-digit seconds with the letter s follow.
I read 4h14
